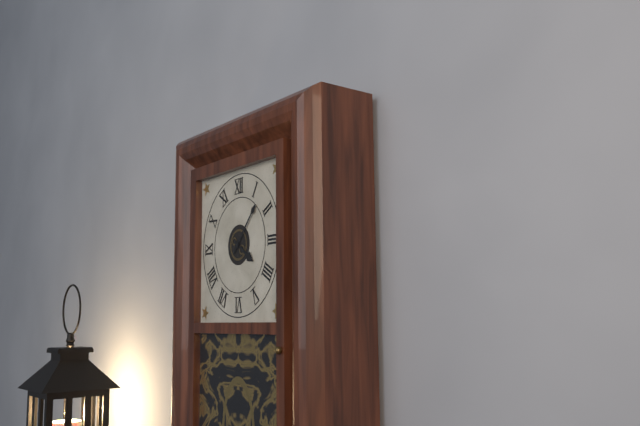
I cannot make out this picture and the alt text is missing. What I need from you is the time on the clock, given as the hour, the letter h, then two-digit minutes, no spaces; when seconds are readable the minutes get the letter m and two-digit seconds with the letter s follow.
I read 4h07
